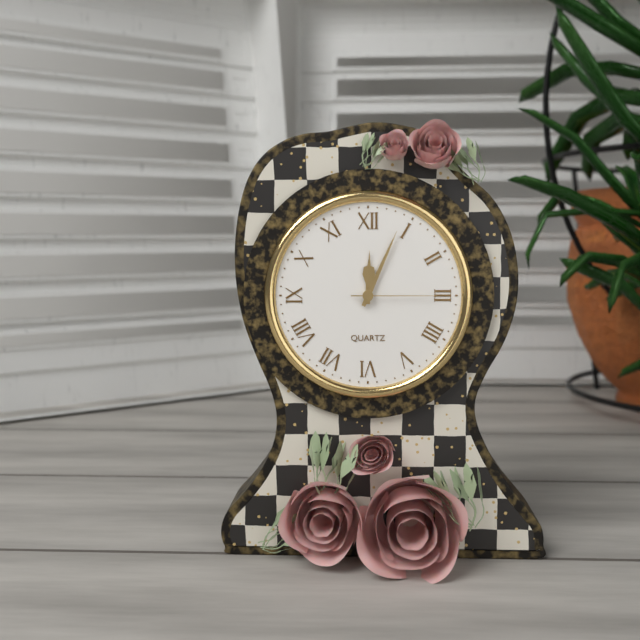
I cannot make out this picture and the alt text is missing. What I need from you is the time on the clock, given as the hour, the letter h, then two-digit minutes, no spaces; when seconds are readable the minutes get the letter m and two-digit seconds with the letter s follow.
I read 12h04m15s
